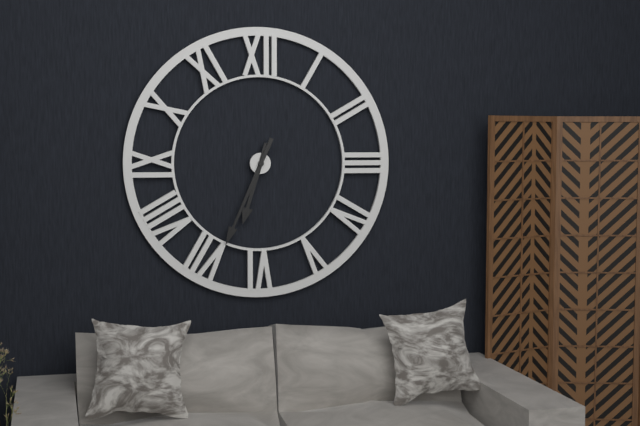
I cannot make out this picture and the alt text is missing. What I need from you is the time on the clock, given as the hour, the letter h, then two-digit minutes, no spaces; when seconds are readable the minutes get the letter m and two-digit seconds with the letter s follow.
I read 6h34
